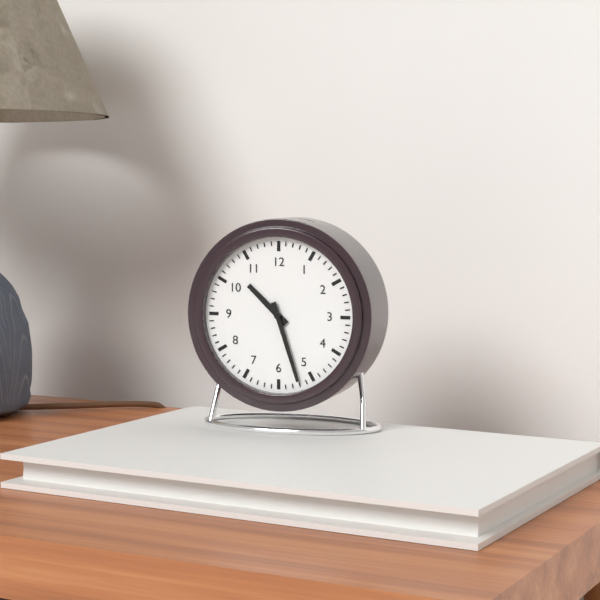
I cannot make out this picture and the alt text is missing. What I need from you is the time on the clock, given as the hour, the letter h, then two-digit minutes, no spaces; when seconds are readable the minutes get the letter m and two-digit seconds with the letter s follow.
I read 10h27
